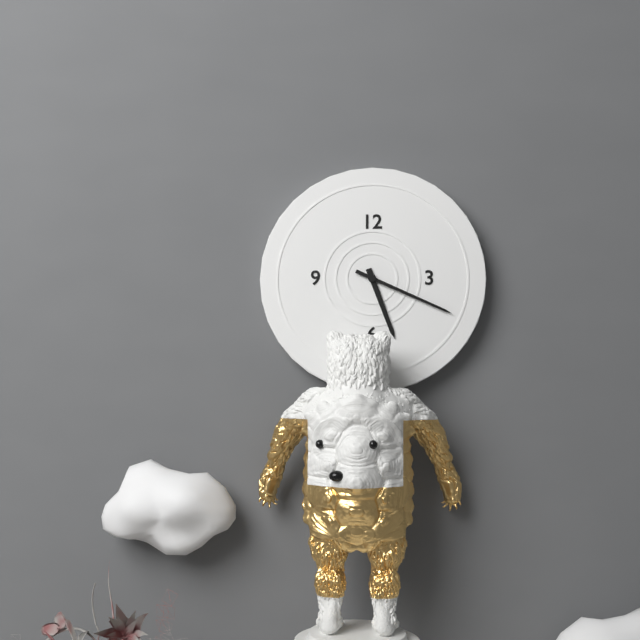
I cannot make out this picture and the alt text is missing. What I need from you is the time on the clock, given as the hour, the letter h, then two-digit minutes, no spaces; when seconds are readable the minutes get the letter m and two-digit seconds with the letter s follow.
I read 5h19
